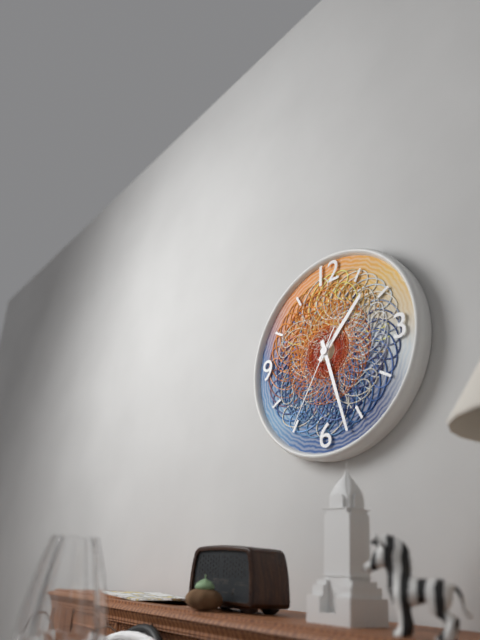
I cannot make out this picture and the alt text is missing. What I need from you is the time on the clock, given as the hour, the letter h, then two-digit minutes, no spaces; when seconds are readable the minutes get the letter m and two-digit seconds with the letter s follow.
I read 1h27m35s
